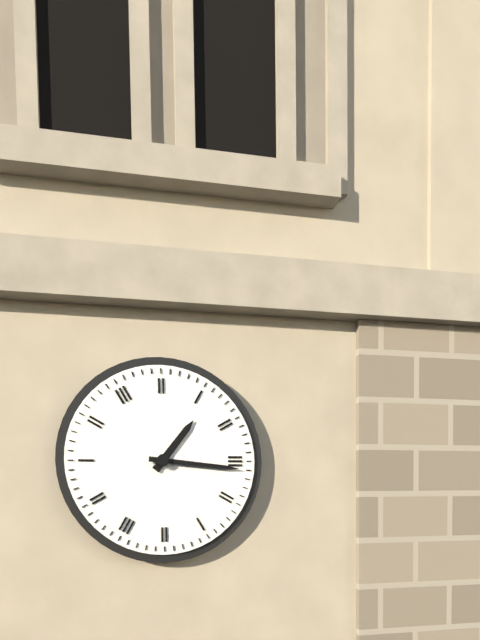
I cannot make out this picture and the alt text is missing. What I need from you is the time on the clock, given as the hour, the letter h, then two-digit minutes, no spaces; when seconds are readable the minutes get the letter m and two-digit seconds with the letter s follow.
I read 1h16
